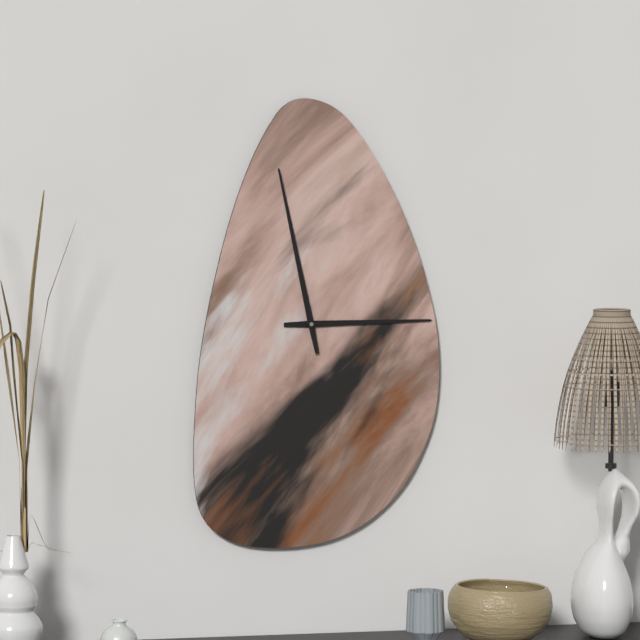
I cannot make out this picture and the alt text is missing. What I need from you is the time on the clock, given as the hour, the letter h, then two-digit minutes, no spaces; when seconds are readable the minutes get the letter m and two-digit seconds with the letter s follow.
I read 2h58
